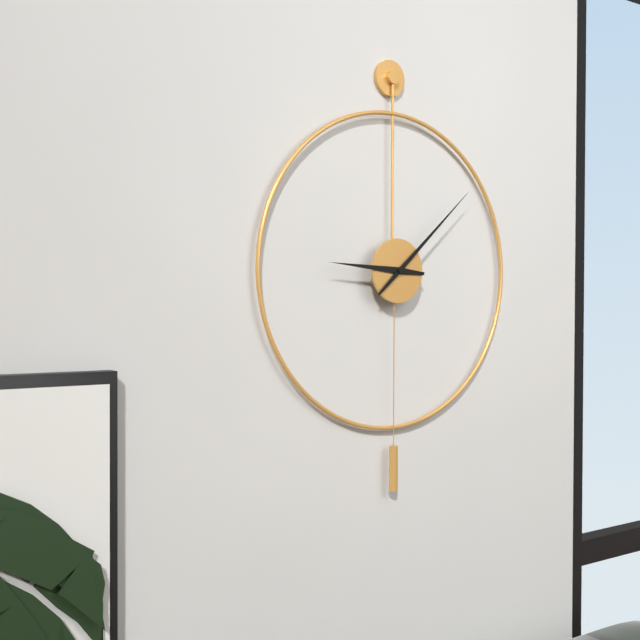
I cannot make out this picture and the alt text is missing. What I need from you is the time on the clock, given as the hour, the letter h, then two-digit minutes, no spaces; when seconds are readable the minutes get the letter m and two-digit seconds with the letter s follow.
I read 9h08
